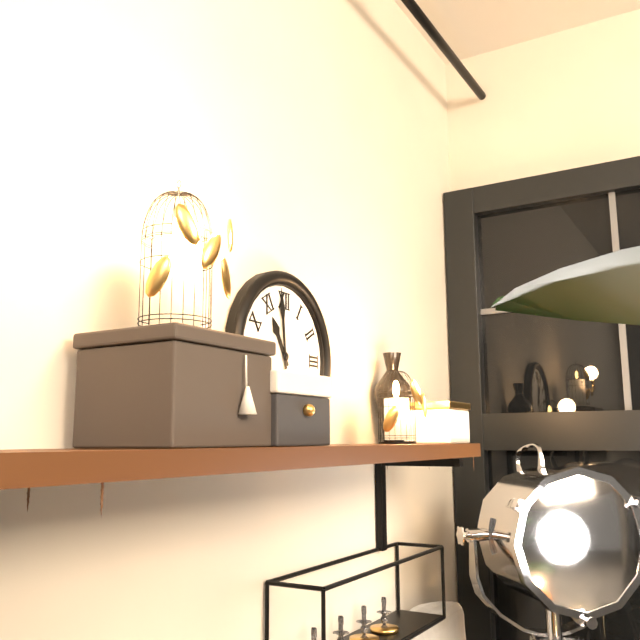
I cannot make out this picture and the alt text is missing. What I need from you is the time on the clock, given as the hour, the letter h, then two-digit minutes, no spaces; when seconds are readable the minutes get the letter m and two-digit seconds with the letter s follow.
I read 10h59
